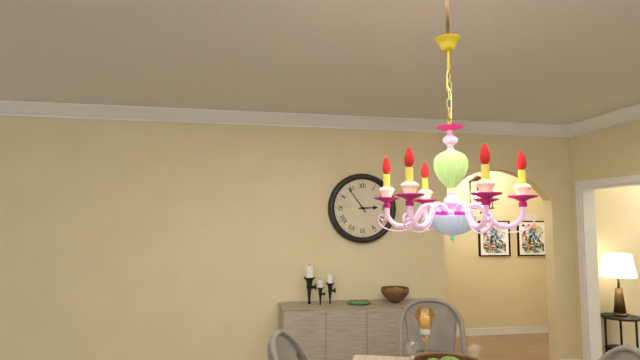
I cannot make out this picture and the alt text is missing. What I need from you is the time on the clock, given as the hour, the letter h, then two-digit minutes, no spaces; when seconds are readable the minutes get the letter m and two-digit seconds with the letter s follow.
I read 2h54
